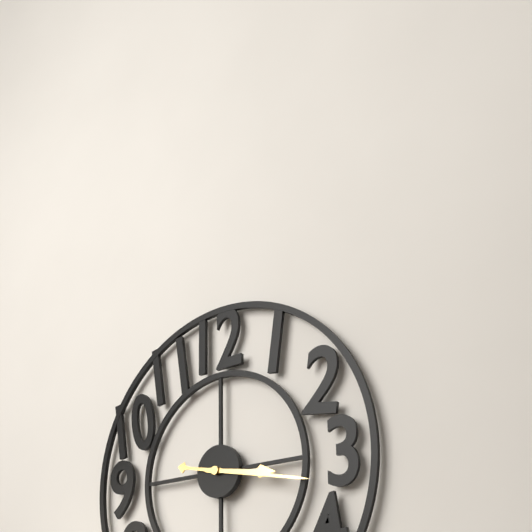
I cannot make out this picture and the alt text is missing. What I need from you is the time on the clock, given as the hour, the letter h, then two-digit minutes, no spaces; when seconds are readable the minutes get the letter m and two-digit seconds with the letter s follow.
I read 3h17
